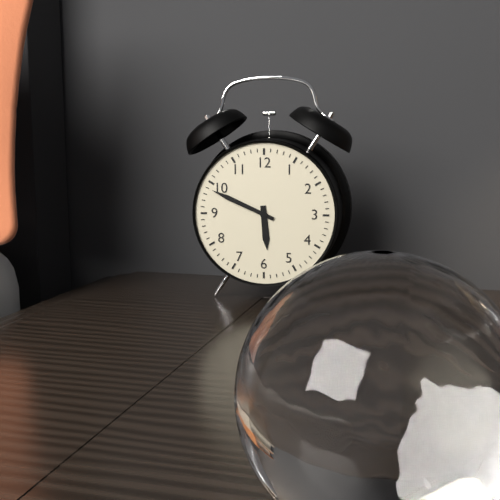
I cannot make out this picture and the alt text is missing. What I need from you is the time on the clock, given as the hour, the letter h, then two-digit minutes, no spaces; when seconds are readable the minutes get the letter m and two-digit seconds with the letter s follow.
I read 5h49
